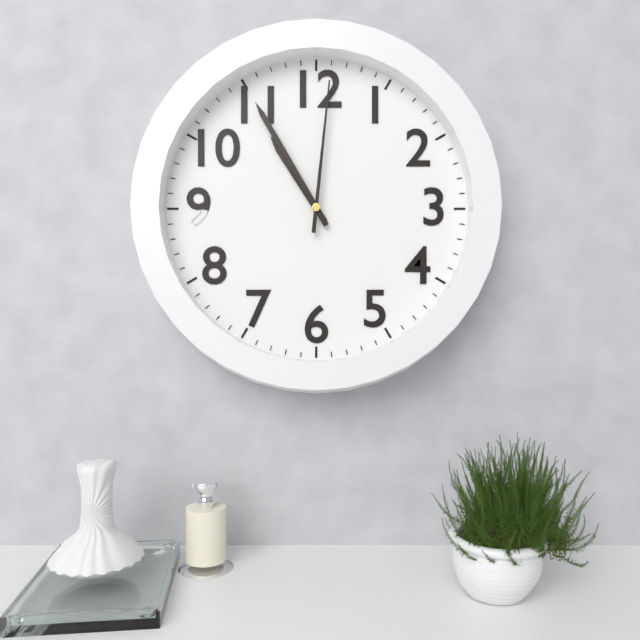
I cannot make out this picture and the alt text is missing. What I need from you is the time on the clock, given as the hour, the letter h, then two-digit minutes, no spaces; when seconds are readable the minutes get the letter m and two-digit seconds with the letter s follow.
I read 10h55m01s
